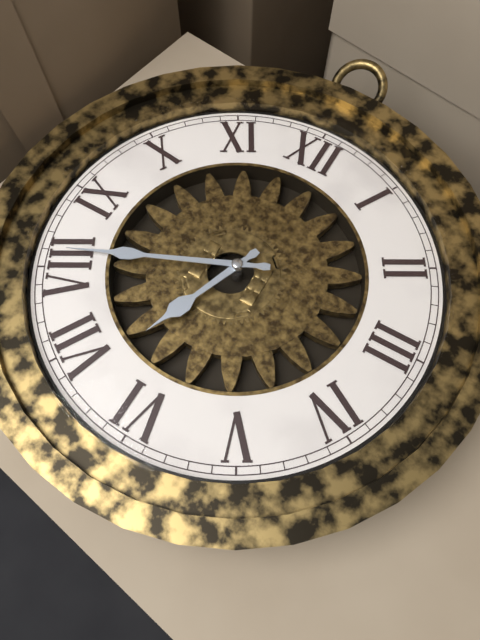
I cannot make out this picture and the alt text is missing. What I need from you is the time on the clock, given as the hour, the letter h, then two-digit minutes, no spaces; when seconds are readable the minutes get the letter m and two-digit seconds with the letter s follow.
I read 6h41
